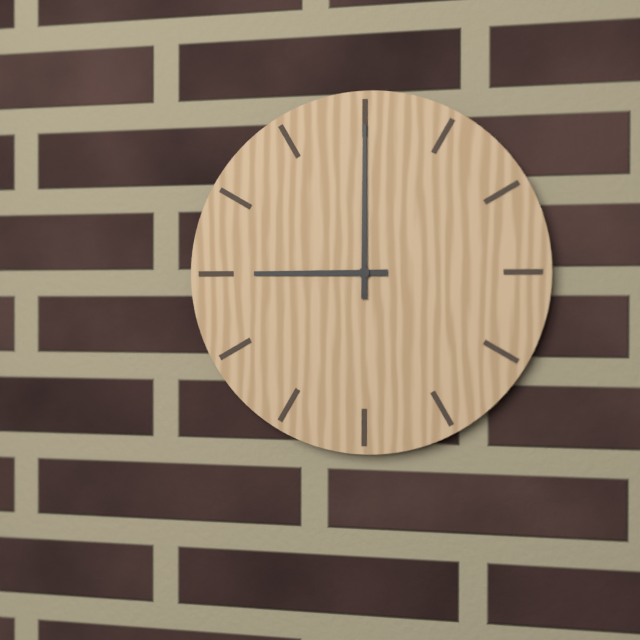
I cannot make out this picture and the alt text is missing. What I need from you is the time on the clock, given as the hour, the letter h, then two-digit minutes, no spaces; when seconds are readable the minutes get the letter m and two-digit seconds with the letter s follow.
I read 9h00
